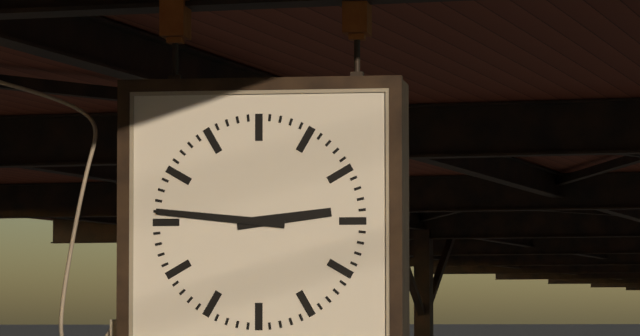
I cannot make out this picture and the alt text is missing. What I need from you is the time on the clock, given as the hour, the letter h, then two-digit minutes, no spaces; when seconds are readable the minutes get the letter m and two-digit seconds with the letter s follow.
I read 2h46
